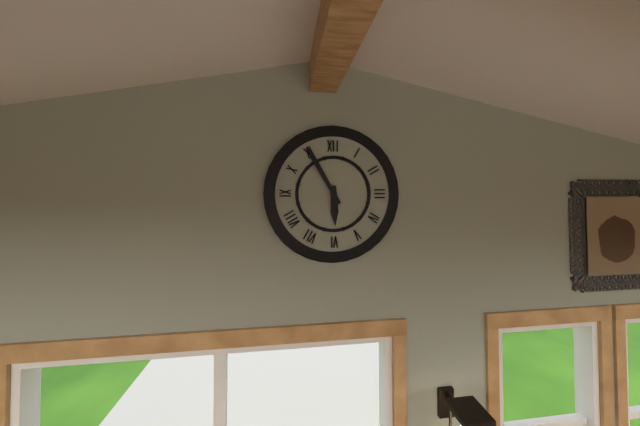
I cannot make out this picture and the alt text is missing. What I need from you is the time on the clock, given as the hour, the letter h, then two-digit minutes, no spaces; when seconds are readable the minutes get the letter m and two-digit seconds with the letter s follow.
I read 5h55
